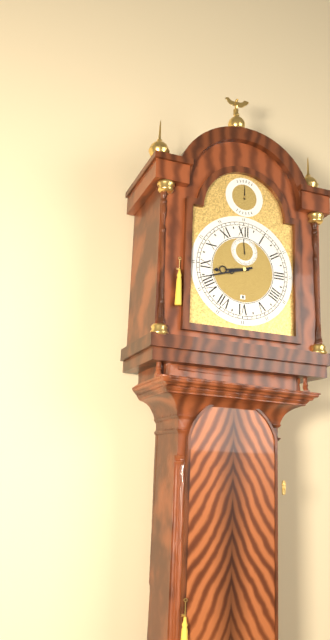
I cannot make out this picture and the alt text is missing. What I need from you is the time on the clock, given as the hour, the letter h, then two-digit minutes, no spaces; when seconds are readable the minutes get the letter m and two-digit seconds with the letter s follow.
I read 8h42
